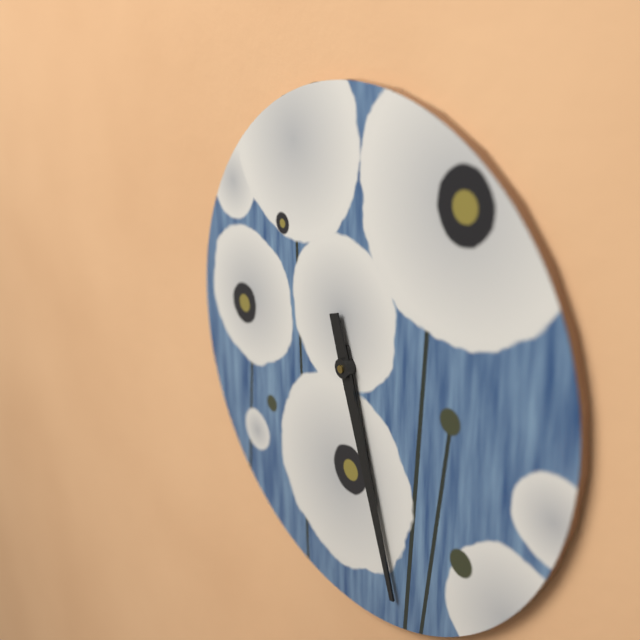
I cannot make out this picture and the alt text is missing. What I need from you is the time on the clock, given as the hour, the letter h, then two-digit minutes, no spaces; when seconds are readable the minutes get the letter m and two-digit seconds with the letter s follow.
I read 5h27
